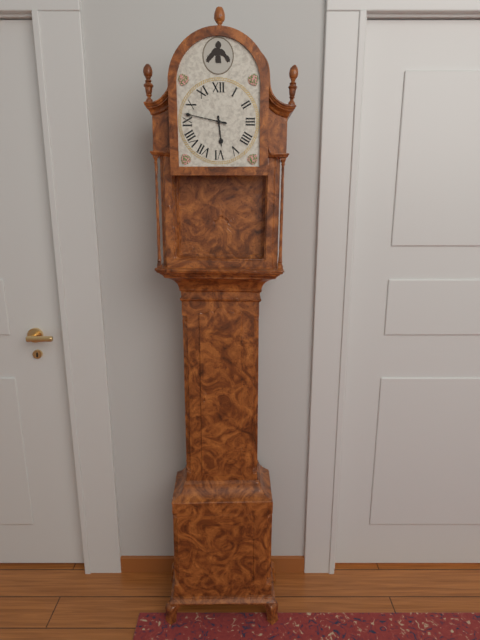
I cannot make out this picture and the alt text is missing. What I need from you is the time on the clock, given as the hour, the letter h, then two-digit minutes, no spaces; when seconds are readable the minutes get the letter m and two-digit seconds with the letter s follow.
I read 5h47
